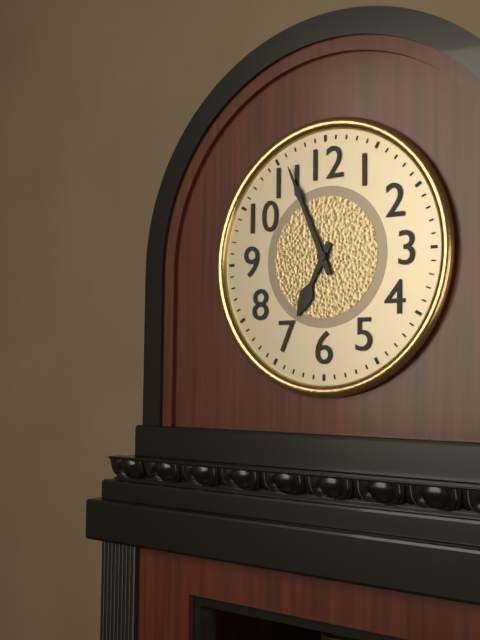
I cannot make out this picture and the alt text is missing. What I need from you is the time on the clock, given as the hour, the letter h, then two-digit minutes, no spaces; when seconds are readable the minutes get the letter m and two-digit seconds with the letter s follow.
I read 6h56
